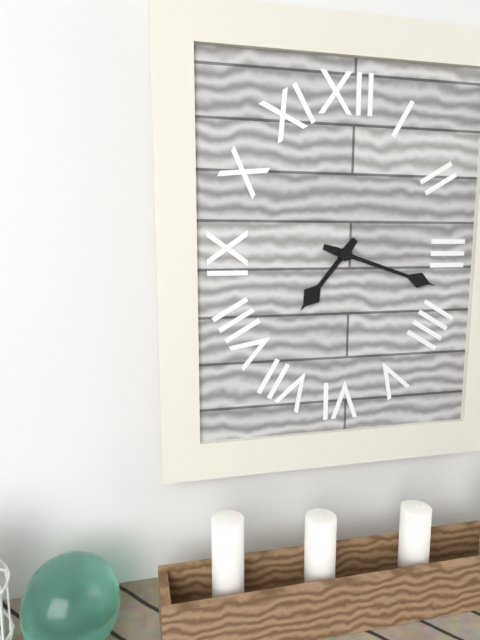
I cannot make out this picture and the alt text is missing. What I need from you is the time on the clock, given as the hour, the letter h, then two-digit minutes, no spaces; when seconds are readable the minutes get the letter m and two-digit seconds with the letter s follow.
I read 7h18
